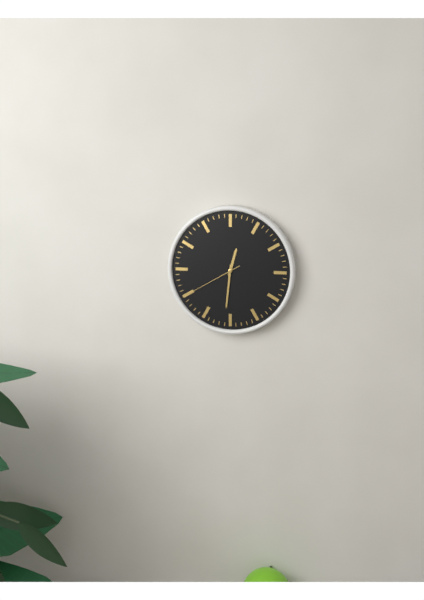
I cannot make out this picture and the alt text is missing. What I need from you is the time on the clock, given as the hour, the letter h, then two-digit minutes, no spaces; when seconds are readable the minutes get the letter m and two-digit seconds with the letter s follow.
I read 12h31m40s
